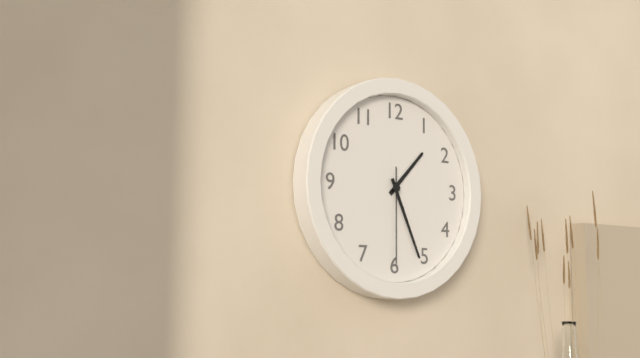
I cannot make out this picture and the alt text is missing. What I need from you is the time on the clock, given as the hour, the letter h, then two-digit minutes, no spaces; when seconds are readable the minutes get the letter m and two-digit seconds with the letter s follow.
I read 1h26m30s
